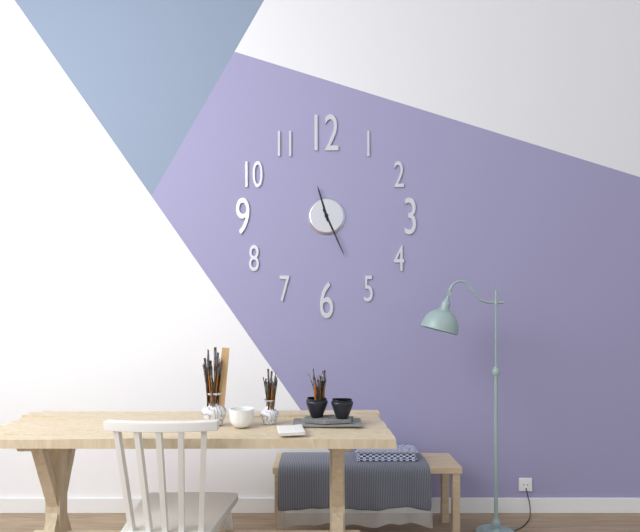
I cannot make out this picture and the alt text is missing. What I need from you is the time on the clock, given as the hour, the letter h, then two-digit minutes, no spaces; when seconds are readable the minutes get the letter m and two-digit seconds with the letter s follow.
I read 11h26
